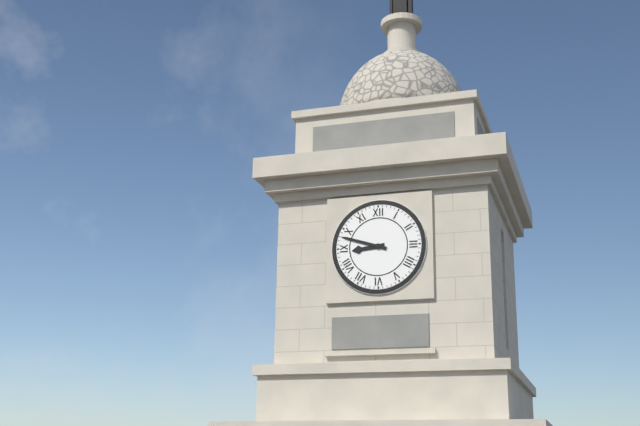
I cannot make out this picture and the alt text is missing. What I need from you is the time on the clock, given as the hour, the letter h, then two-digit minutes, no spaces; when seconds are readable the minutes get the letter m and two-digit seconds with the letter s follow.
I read 8h48
